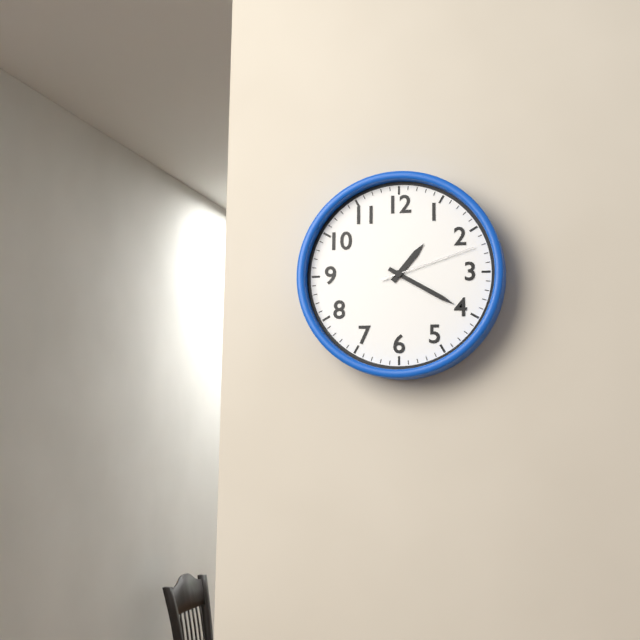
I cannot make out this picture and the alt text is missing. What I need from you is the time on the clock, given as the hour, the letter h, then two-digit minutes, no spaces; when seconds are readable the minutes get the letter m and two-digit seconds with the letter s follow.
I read 1h20m12s
